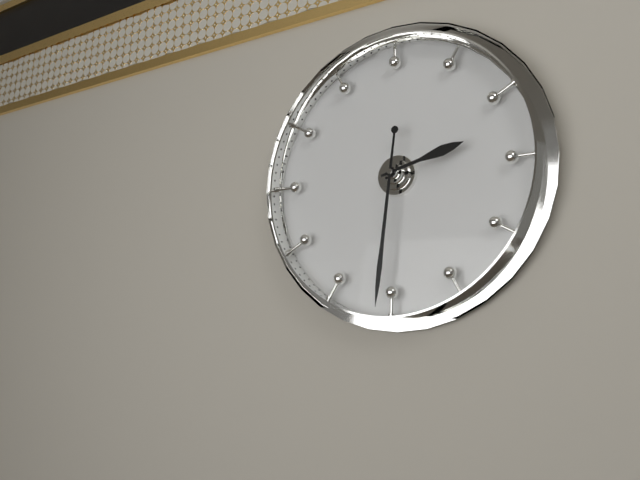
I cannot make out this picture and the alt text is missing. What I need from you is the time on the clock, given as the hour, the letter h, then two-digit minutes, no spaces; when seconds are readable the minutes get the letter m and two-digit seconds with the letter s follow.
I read 2h31
